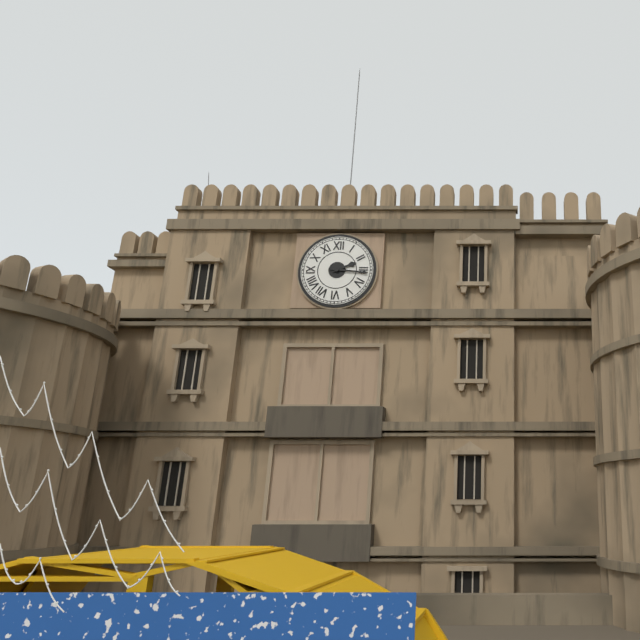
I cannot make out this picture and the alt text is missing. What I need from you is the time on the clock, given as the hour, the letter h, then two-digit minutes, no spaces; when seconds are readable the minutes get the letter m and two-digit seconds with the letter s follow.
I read 2h16
